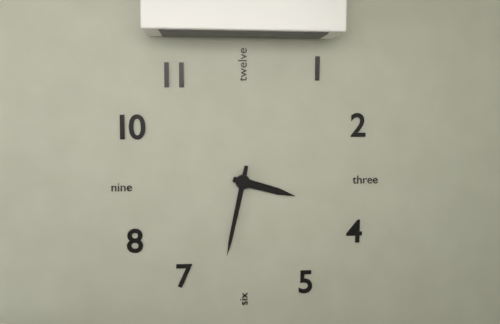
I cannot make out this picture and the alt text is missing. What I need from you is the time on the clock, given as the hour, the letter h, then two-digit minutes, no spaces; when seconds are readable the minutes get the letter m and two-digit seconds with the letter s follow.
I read 3h32
